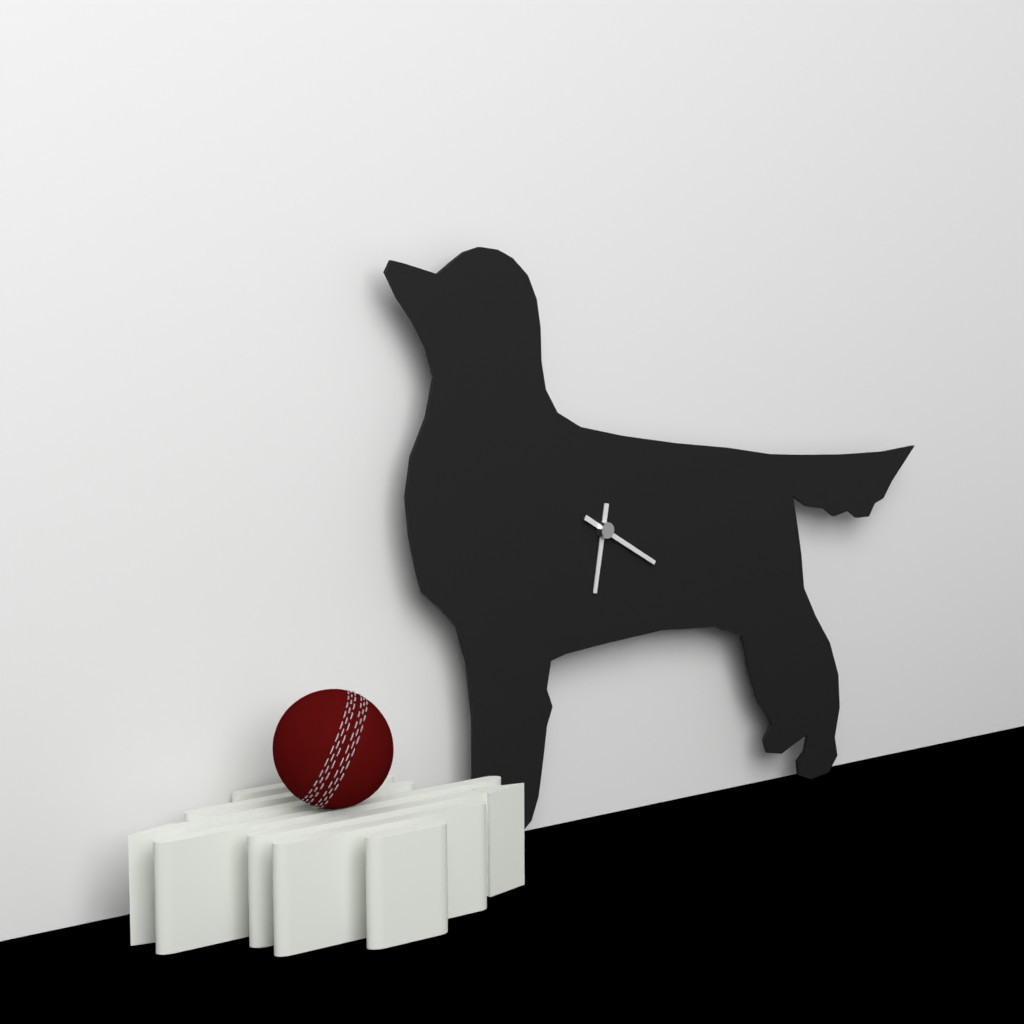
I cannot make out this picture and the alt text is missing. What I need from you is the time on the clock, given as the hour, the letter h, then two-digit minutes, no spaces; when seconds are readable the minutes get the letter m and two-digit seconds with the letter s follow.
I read 6h20
